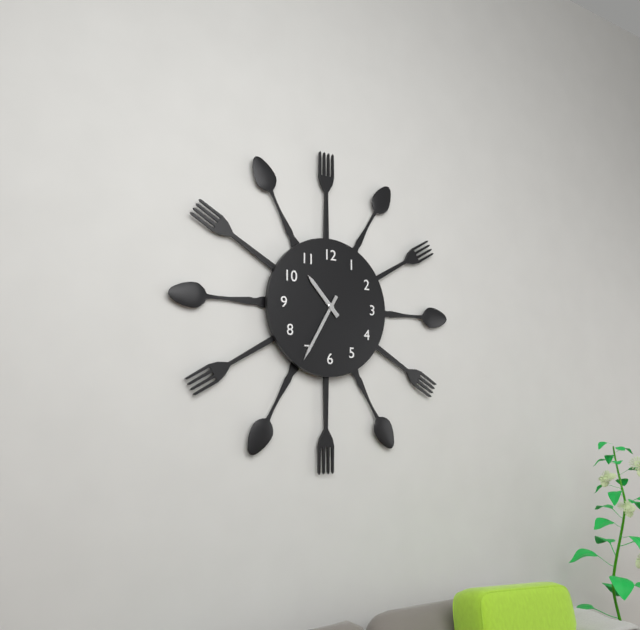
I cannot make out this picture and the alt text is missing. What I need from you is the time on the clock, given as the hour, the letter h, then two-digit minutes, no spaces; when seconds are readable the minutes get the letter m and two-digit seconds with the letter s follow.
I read 10h35
